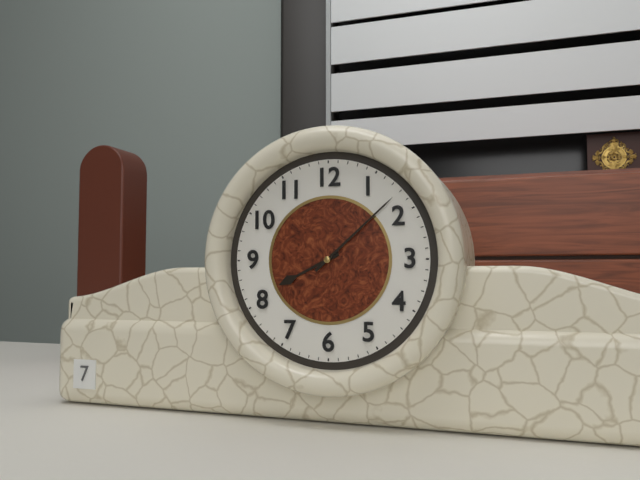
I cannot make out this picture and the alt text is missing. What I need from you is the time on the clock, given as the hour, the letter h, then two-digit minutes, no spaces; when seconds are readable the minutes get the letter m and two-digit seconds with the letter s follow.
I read 8h08
